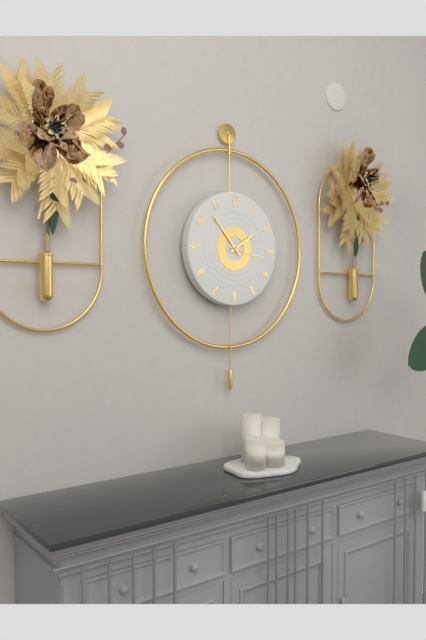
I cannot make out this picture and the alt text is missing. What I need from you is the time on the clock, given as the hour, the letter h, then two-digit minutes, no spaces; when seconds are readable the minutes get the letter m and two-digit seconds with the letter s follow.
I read 1h53
